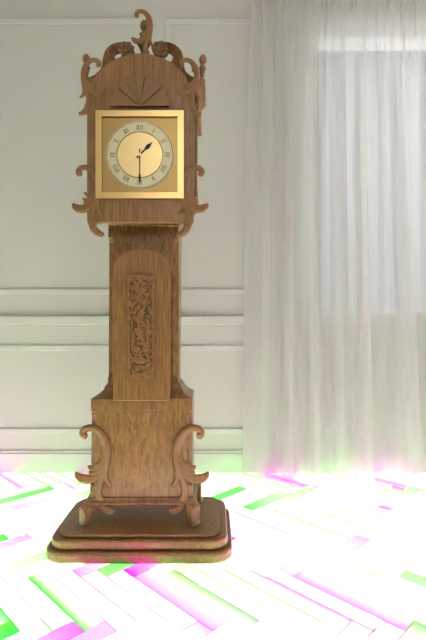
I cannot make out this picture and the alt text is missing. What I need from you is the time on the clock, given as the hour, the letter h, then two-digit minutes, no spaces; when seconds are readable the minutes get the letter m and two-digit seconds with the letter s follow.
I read 1h30
